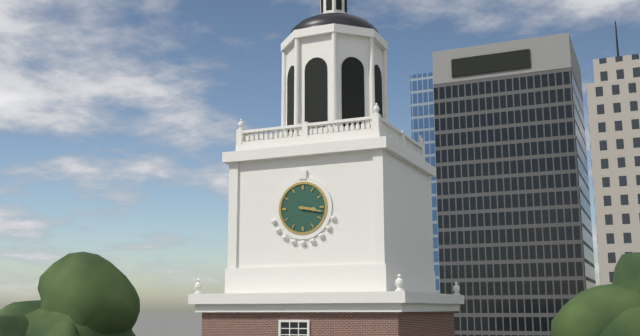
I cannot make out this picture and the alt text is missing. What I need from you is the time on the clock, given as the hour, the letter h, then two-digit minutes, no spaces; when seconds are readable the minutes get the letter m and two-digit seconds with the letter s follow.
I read 3h17
